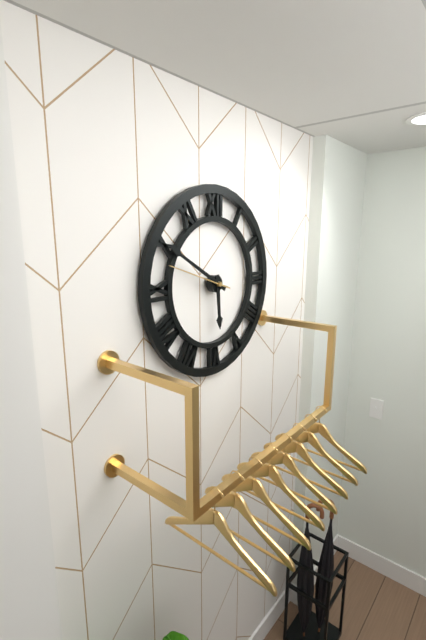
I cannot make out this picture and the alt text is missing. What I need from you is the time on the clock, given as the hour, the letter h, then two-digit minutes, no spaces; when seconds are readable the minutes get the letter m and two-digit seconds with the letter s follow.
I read 5h50m48s
